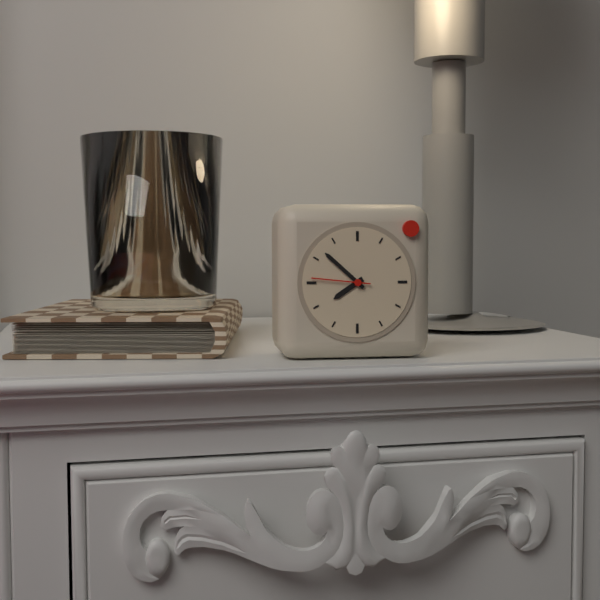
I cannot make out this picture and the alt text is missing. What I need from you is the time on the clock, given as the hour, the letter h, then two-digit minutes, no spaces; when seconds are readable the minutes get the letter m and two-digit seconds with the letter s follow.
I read 7h52m46s
